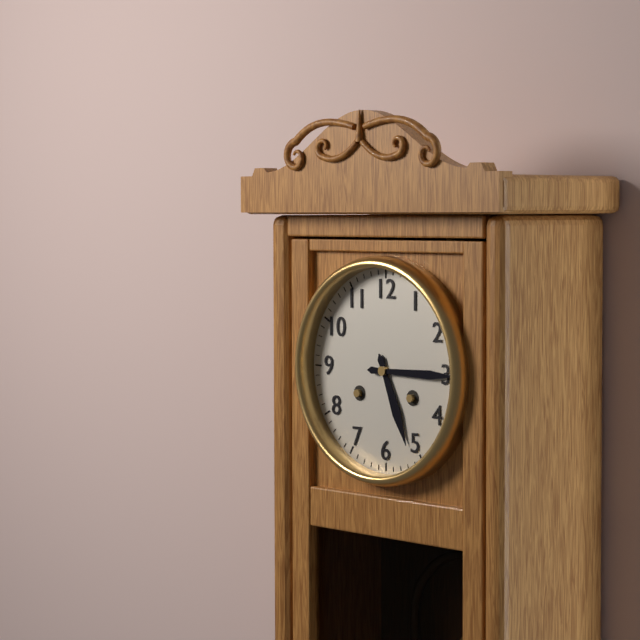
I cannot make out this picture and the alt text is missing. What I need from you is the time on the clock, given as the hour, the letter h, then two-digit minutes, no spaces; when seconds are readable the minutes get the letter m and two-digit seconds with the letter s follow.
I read 5h15
